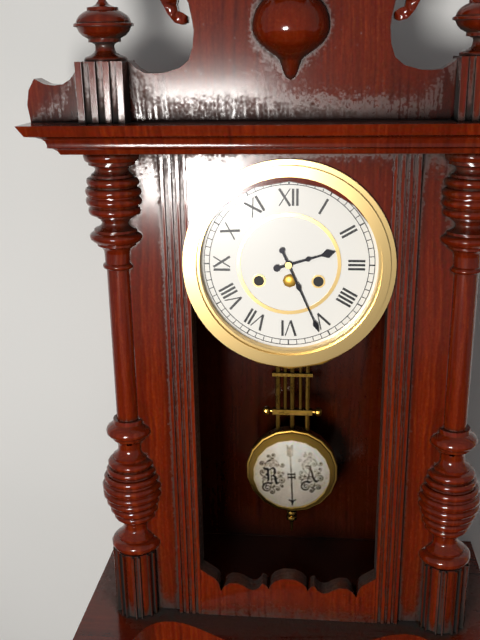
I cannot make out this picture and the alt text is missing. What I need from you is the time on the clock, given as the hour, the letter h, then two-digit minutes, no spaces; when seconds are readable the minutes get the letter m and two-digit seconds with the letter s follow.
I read 2h26
